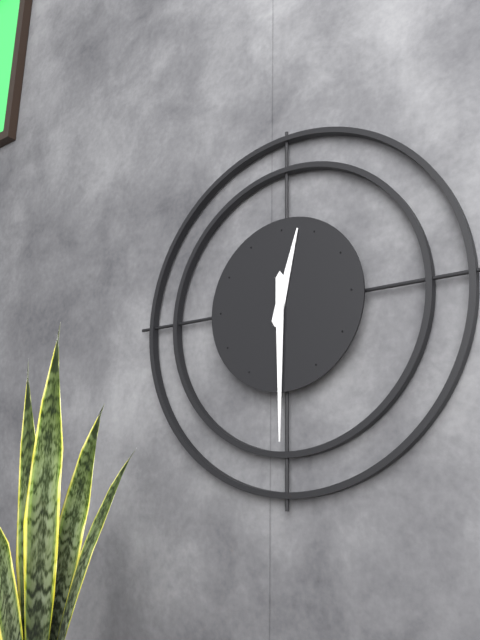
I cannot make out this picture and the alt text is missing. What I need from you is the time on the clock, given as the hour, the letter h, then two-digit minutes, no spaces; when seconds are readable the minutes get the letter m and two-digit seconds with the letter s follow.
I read 12h30
